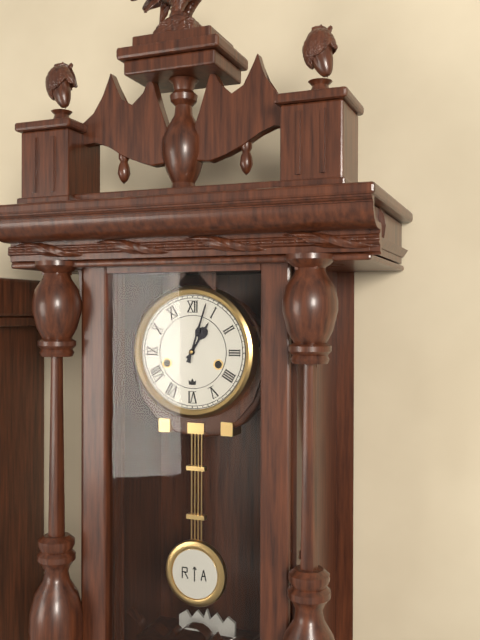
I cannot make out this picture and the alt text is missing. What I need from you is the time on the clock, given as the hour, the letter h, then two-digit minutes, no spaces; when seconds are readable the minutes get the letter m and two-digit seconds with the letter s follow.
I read 1h03
